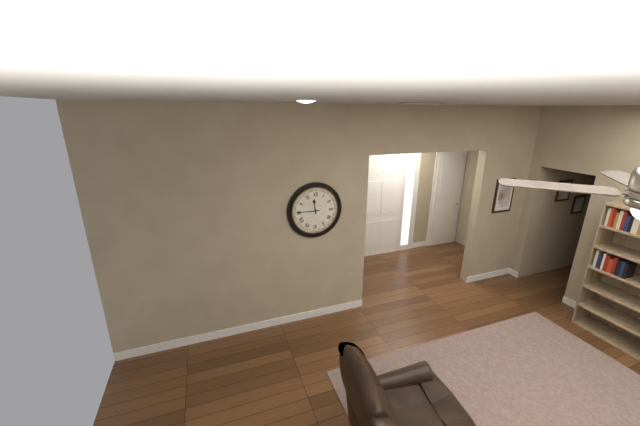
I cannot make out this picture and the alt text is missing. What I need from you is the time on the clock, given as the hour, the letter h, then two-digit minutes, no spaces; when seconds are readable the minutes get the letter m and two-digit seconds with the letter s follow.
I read 11h45
